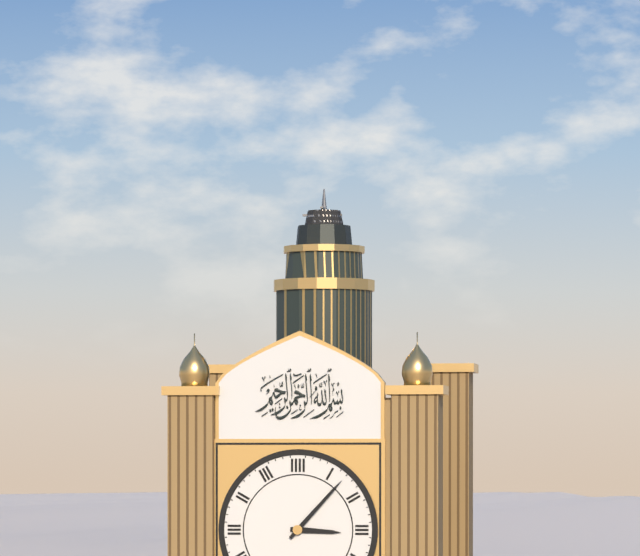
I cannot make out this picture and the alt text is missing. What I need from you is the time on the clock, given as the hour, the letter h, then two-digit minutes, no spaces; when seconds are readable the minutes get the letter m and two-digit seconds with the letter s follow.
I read 3h07
